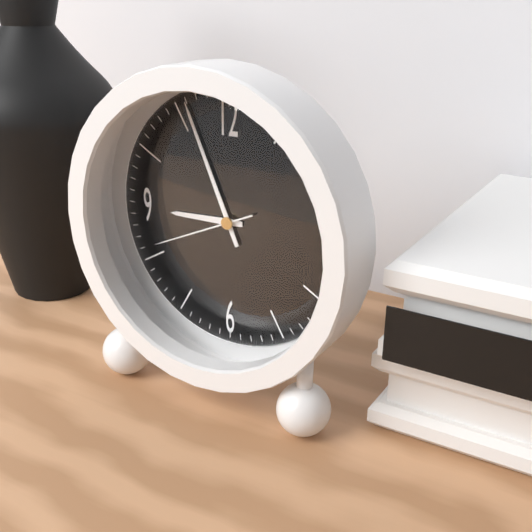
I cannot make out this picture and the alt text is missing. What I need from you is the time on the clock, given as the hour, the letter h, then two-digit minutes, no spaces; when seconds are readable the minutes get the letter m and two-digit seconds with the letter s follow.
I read 8h56m41s
